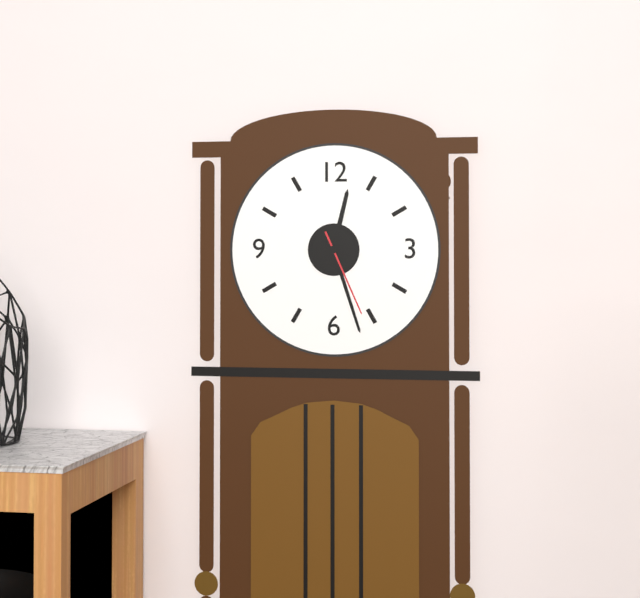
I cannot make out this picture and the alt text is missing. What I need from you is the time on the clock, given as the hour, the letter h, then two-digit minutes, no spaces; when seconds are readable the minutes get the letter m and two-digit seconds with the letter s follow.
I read 12h27m26s
